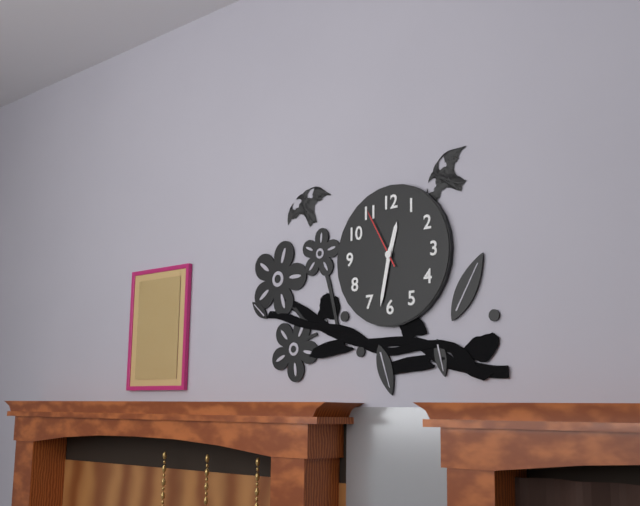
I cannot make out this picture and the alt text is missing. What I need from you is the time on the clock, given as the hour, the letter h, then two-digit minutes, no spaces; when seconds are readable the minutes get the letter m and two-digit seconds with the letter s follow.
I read 12h32m55s
